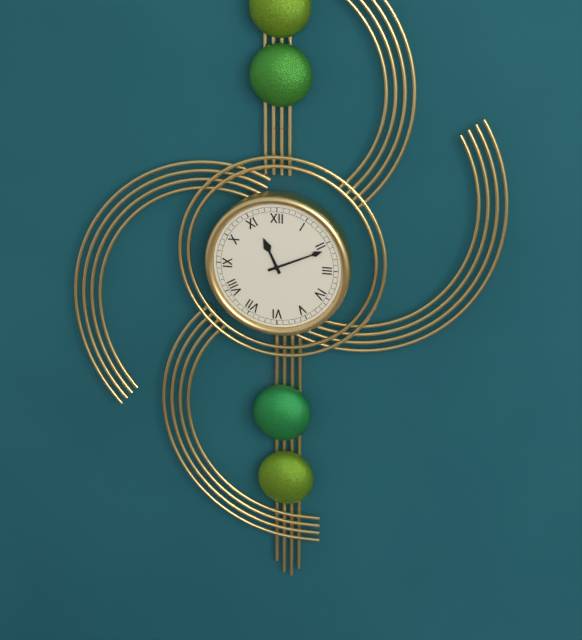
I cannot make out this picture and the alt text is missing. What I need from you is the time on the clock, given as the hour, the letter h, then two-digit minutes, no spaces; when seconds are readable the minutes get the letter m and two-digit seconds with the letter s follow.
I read 11h11
